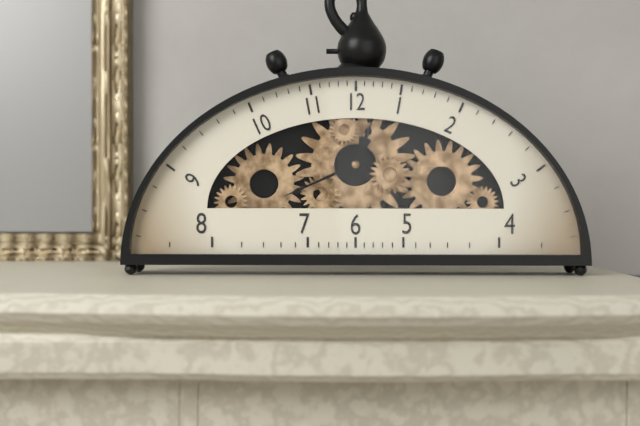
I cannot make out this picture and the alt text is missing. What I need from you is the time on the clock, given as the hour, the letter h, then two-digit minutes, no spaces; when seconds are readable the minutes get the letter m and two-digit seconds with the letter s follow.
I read 12h41
